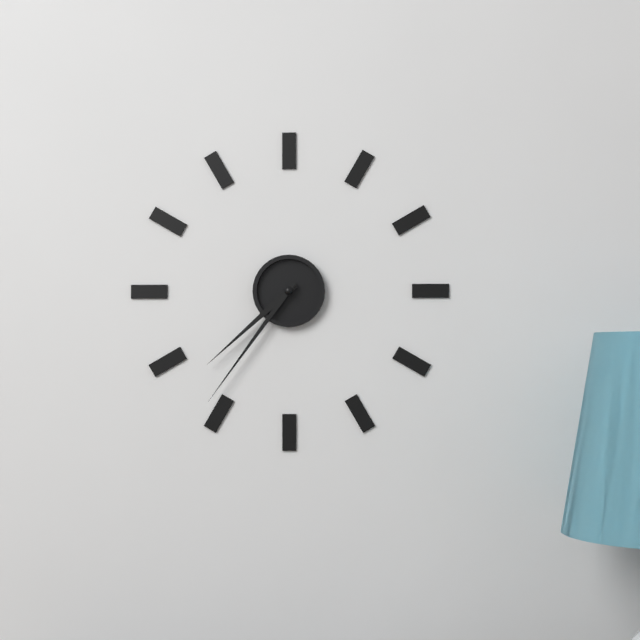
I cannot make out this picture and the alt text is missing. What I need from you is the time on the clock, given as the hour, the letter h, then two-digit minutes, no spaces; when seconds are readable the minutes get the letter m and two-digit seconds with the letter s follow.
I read 7h36
